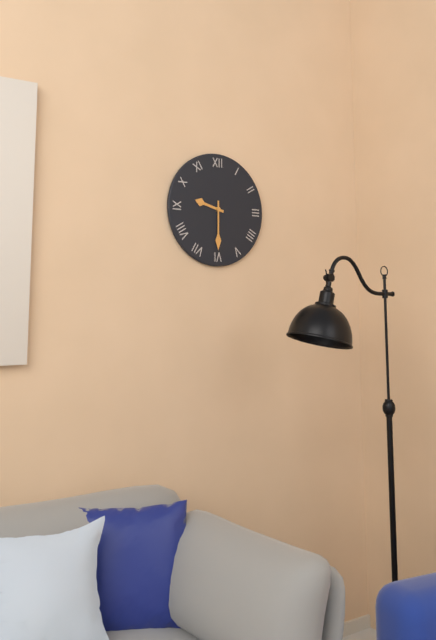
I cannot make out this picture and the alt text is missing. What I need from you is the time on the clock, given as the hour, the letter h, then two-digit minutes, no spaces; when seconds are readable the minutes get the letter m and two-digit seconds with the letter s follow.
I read 9h30
